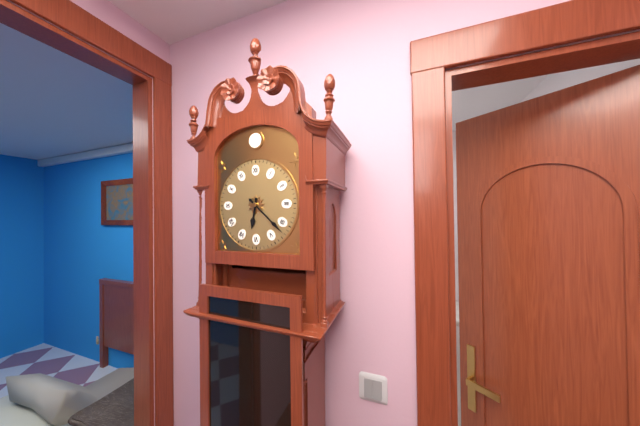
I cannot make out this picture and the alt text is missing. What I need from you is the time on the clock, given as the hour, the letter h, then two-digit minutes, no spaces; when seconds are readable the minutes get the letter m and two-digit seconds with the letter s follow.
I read 6h22
